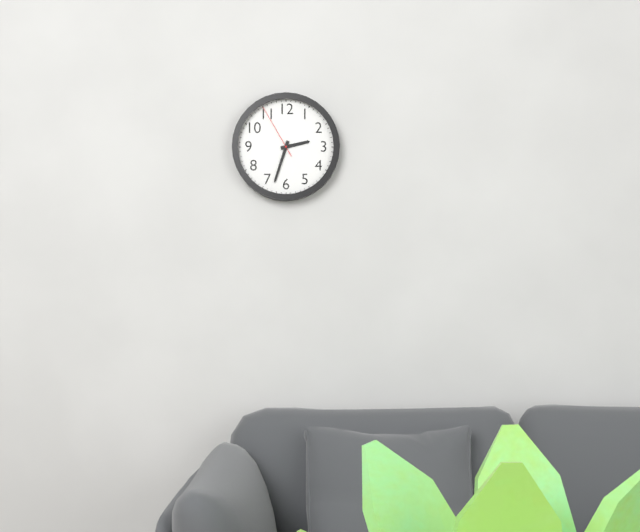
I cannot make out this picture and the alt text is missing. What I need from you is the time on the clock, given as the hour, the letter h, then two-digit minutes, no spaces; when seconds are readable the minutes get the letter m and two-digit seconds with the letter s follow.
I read 2h33m55s
